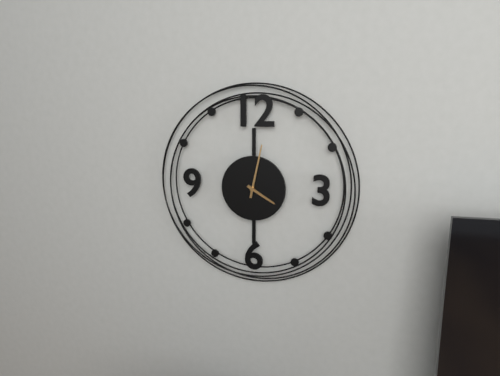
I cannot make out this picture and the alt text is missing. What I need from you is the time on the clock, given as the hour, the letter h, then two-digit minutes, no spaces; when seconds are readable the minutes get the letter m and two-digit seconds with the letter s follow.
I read 4h02
